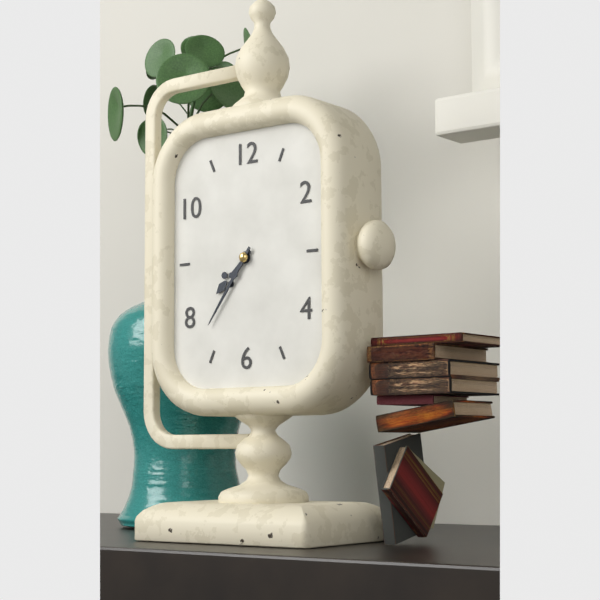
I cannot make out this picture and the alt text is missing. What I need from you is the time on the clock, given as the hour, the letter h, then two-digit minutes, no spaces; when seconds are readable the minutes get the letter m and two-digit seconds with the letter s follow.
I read 7h36
